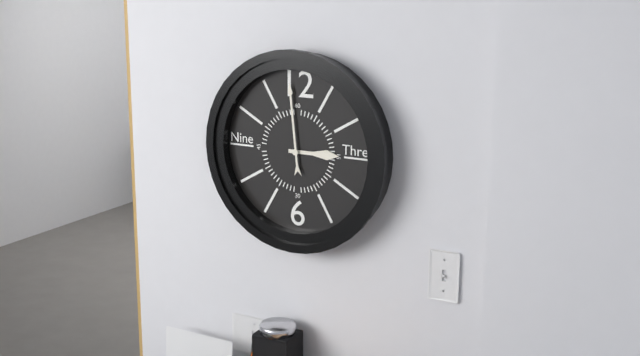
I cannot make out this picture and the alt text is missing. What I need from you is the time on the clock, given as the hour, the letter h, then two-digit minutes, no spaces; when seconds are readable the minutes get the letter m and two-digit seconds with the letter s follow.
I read 2h59
